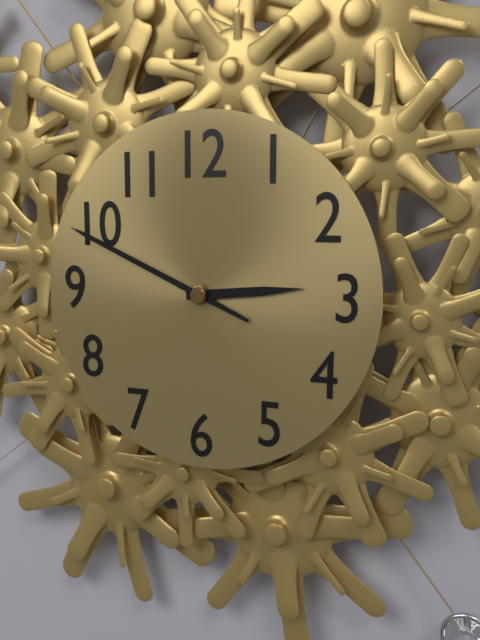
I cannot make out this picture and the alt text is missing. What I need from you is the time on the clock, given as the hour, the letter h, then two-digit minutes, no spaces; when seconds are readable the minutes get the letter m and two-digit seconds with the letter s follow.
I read 2h49
